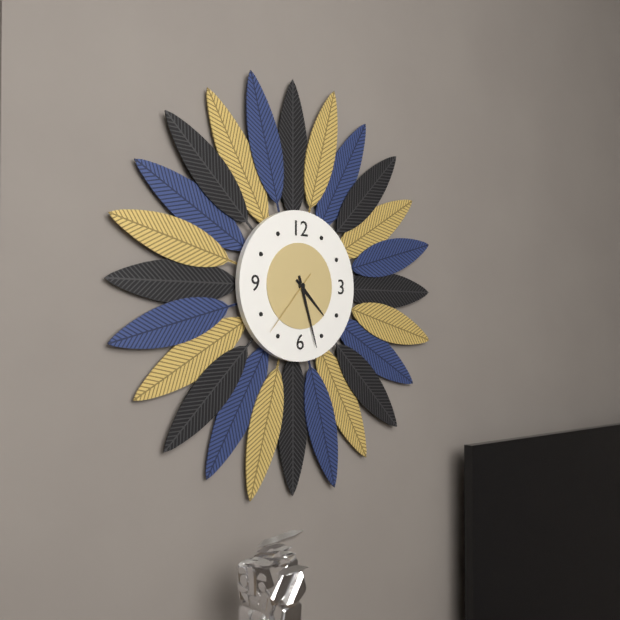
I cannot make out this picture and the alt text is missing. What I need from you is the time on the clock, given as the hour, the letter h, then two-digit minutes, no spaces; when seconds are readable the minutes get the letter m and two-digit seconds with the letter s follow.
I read 4h27m37s
